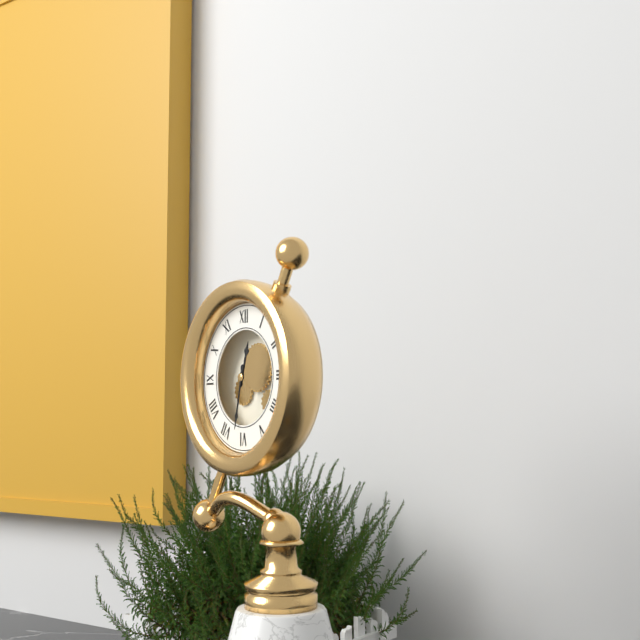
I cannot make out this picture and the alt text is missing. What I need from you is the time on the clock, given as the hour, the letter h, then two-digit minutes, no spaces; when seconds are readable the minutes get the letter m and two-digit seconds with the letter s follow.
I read 12h32
